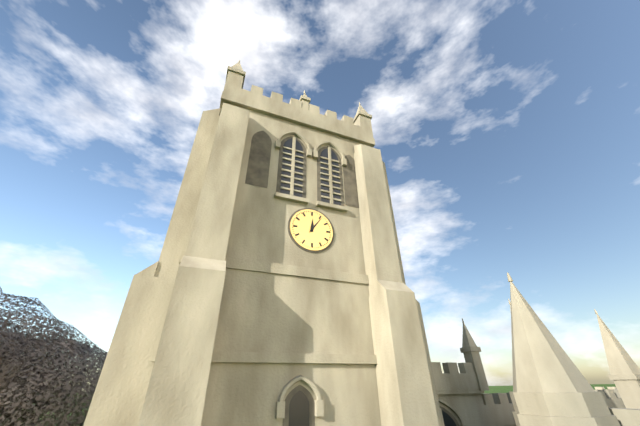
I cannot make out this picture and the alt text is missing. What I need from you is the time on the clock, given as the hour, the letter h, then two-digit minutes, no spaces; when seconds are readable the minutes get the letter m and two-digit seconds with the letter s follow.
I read 12h06
